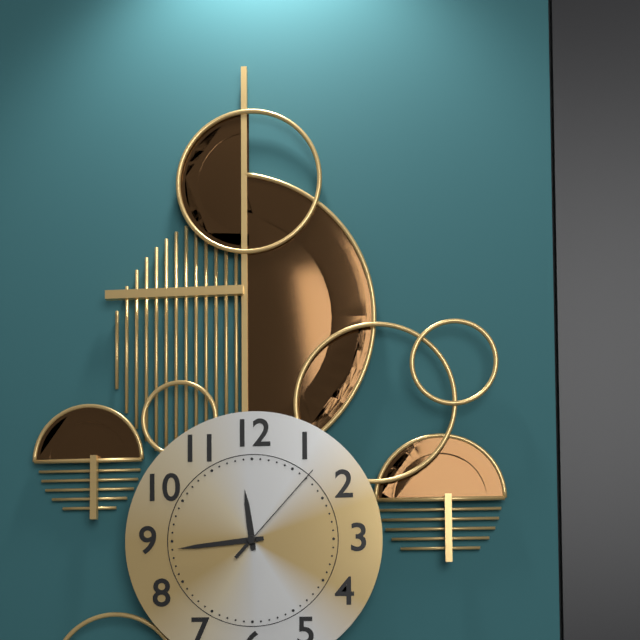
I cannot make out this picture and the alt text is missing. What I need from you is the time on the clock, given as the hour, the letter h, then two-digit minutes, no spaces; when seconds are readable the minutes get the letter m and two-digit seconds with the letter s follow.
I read 11h44m07s
